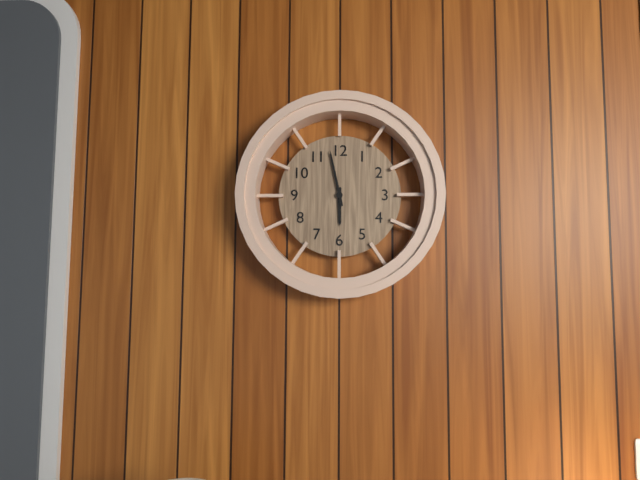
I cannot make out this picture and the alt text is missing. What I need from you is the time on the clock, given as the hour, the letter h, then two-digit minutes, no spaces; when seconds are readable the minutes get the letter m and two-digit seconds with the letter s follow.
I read 5h58
